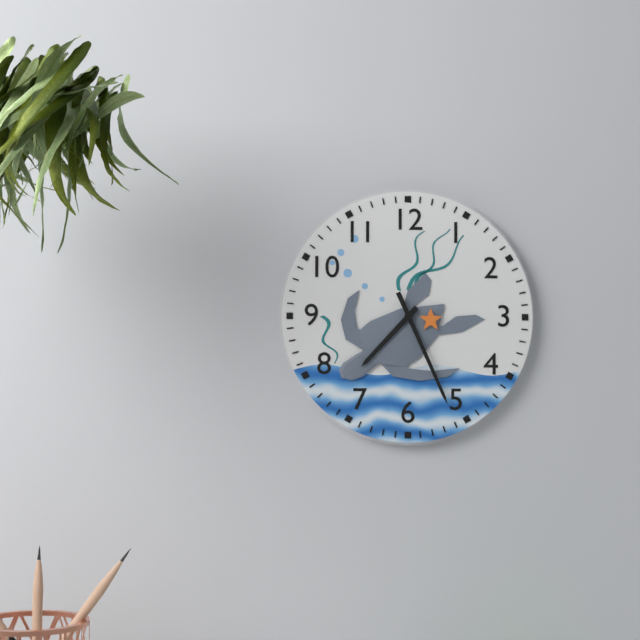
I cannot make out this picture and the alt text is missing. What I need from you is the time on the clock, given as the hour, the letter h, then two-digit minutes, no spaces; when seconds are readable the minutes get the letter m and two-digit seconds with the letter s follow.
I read 7h26
